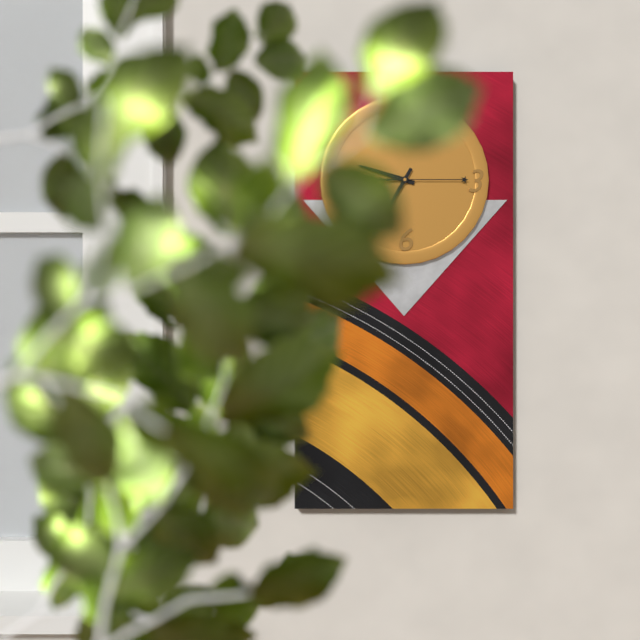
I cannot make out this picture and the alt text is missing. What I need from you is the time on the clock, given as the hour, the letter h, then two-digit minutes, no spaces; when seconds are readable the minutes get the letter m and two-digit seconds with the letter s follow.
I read 9h35m15s
